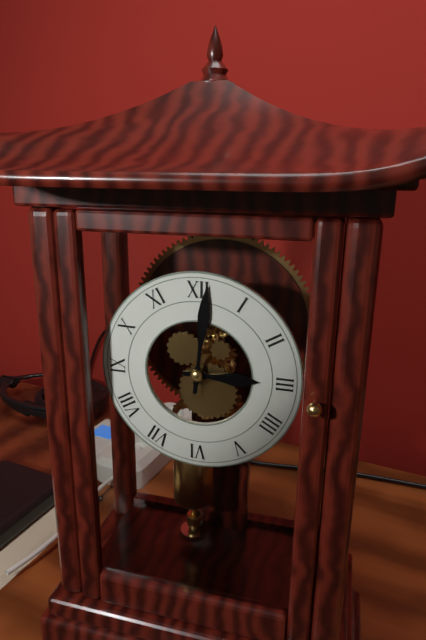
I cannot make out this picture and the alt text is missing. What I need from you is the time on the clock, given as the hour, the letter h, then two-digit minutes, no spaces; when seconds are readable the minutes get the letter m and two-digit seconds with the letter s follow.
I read 3h01
